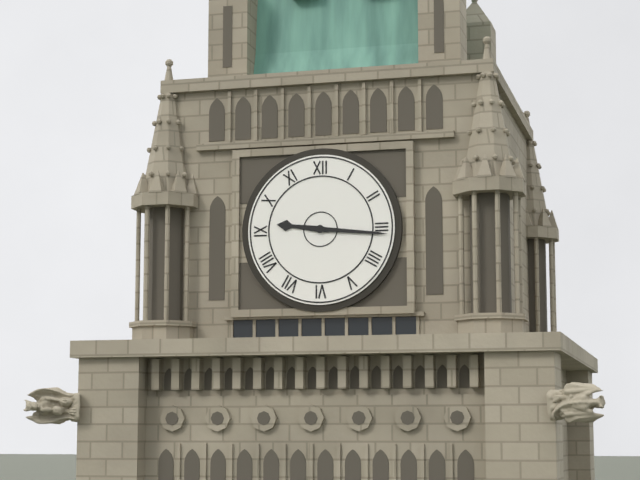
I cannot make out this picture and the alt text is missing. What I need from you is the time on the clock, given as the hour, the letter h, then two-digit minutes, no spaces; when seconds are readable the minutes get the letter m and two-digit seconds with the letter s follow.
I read 9h16
